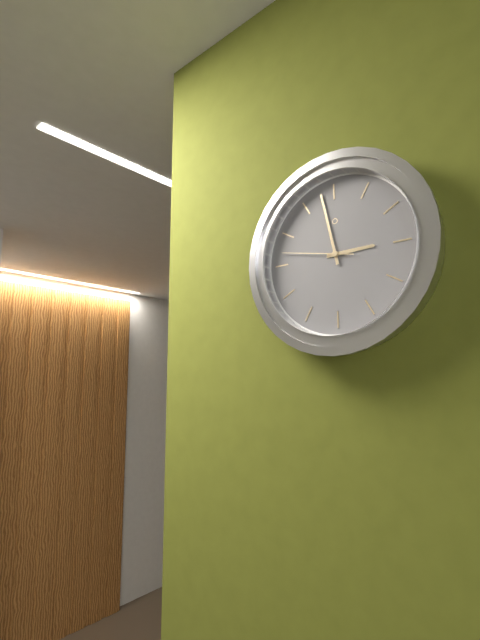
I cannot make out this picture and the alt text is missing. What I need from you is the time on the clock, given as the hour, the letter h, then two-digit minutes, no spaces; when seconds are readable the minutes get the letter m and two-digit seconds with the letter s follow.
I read 2h58m47s
